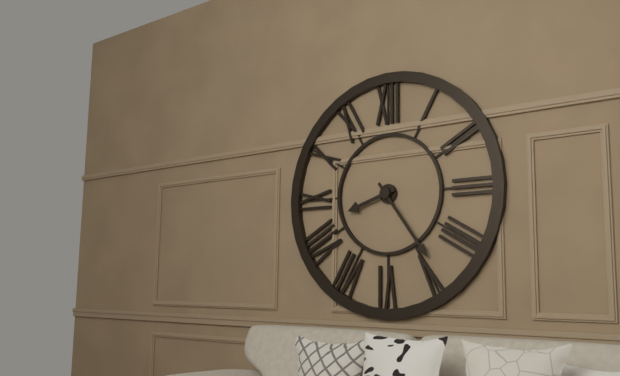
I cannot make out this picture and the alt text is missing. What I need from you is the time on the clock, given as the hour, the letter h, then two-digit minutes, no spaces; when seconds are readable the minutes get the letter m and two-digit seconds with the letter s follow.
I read 8h24
